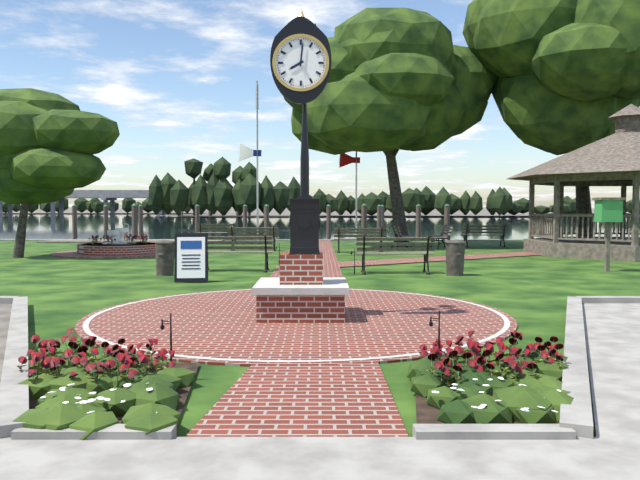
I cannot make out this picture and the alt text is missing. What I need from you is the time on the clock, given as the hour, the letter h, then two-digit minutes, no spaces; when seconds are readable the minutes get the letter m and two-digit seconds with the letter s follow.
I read 8h01
